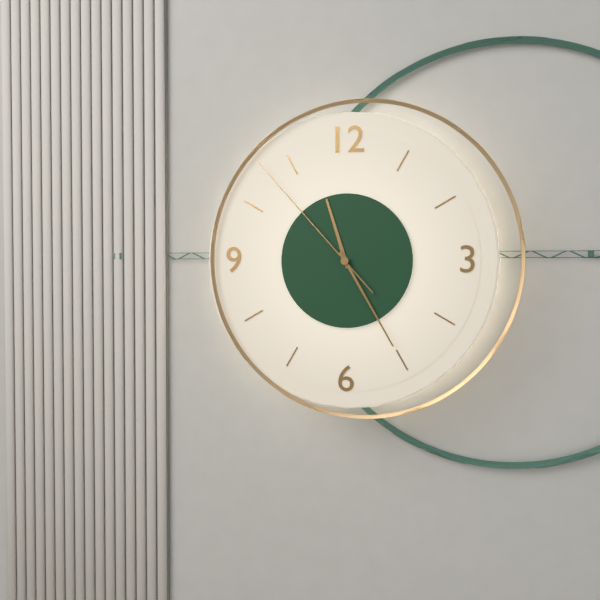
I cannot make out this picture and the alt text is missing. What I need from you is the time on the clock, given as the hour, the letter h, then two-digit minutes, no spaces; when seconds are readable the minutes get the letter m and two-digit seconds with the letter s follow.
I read 11h25m53s
